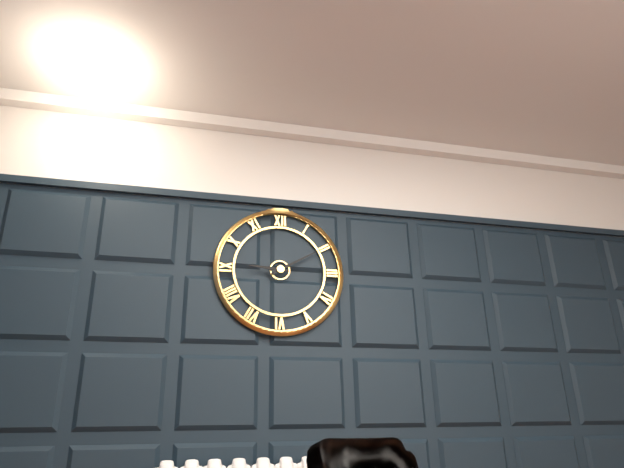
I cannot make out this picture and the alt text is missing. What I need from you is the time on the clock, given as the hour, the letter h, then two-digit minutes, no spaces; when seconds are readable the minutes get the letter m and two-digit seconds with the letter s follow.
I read 9h10
